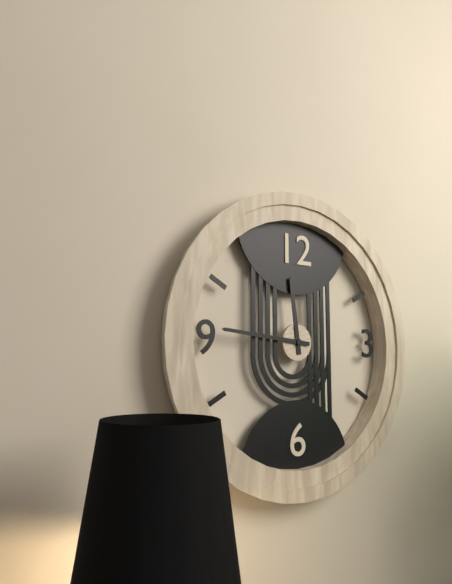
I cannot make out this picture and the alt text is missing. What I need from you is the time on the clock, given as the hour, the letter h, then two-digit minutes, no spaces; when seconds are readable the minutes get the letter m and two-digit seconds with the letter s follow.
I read 11h46
